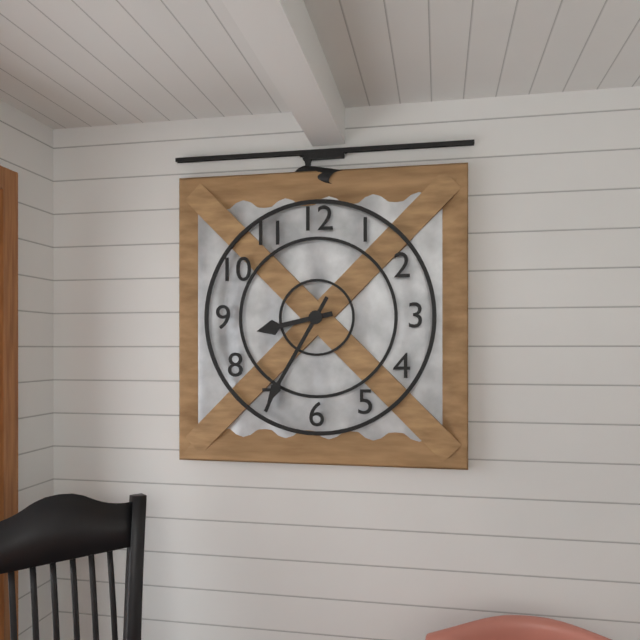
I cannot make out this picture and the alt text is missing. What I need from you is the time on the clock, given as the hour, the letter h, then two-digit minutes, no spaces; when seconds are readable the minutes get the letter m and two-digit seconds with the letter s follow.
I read 8h35
